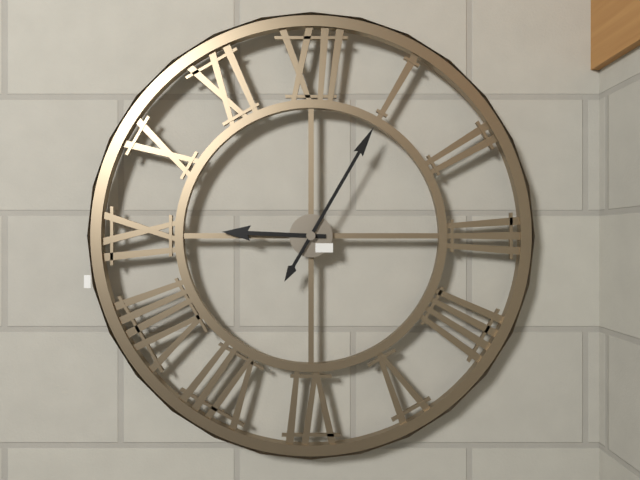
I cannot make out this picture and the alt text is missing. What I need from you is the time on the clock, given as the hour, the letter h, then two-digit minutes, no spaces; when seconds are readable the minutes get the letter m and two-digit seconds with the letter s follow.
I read 9h05
